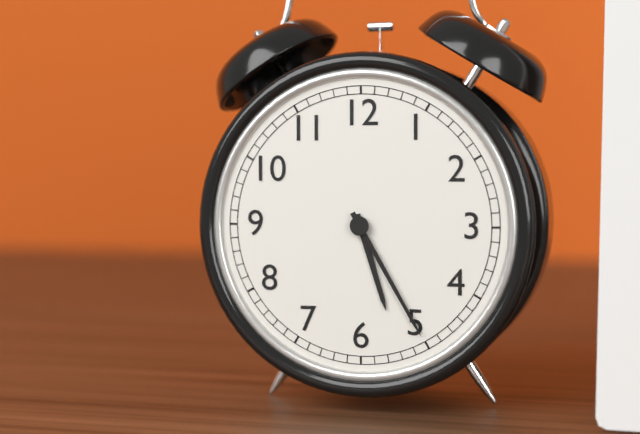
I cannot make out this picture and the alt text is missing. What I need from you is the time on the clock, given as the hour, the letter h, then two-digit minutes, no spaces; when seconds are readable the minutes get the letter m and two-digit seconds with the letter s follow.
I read 5h25
